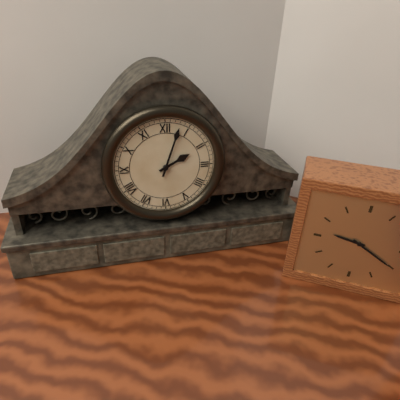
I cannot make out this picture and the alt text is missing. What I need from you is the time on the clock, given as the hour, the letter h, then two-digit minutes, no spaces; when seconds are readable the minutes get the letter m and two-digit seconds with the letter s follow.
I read 2h03
